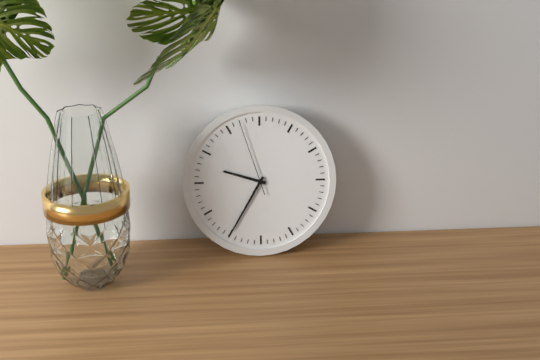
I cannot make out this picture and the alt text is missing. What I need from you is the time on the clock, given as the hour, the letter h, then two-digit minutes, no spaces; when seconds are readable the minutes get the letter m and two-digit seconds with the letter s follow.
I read 9h35m57s
